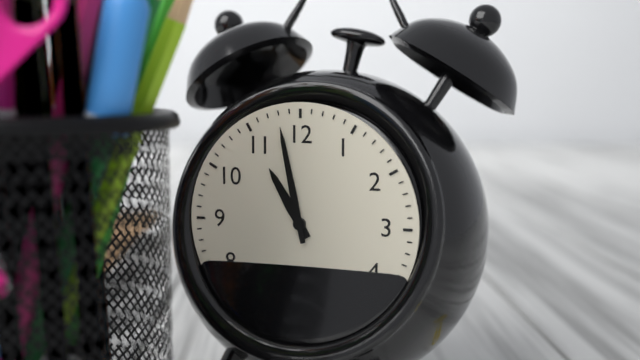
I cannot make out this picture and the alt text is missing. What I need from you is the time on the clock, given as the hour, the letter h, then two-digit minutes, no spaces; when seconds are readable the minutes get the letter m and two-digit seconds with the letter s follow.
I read 10h58
